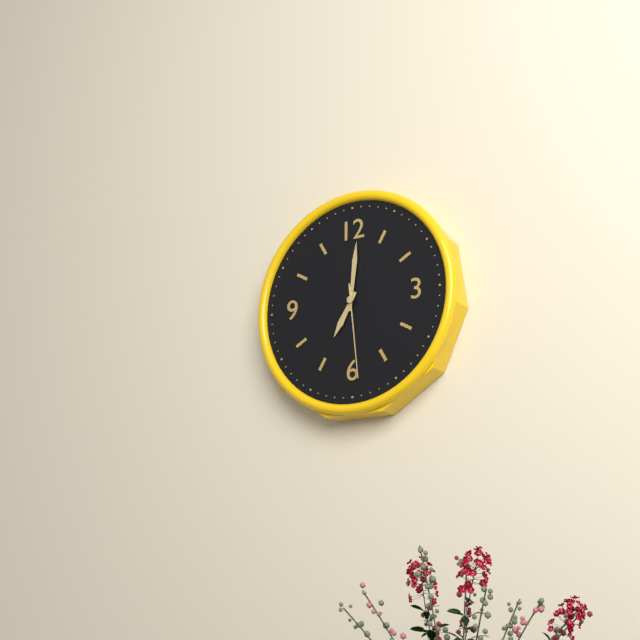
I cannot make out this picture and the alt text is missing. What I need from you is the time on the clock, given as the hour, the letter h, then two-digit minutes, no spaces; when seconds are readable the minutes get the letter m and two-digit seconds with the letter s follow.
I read 7h01m29s
